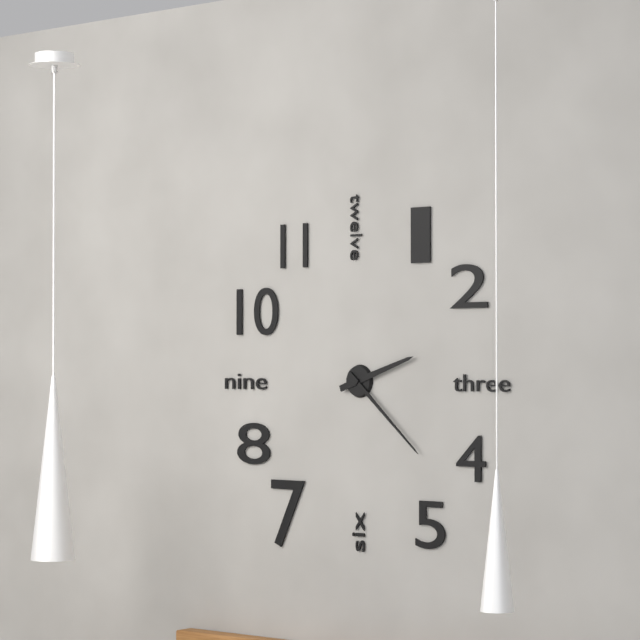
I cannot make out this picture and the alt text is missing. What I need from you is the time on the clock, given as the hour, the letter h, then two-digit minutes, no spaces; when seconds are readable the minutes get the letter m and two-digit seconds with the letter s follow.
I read 2h22
